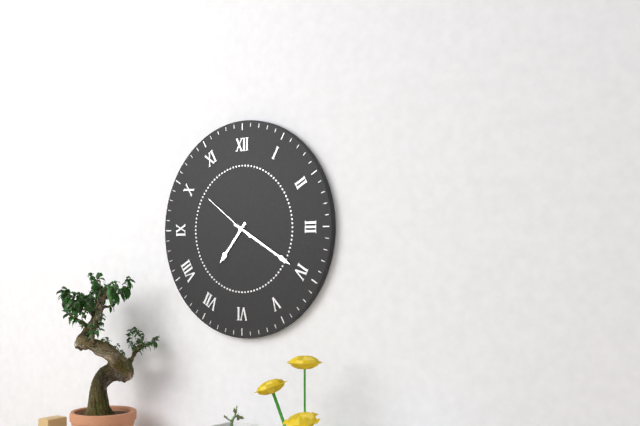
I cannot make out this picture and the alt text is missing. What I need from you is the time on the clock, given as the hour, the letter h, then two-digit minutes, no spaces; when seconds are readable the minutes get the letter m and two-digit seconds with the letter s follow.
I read 7h20m51s
